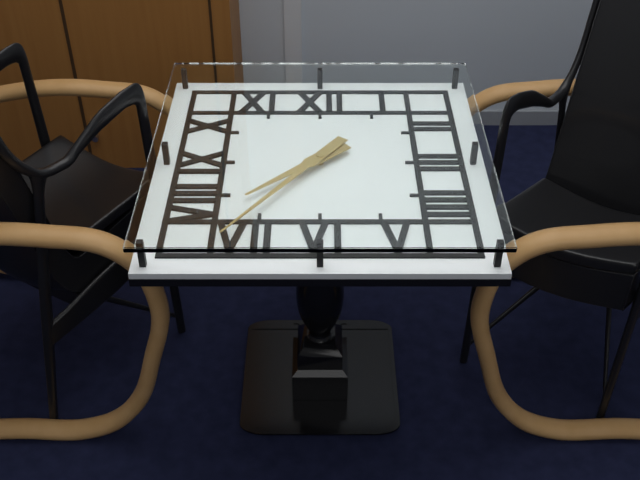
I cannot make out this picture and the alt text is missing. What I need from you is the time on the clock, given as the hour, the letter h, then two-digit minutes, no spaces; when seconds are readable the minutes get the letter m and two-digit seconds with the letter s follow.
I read 7h36
